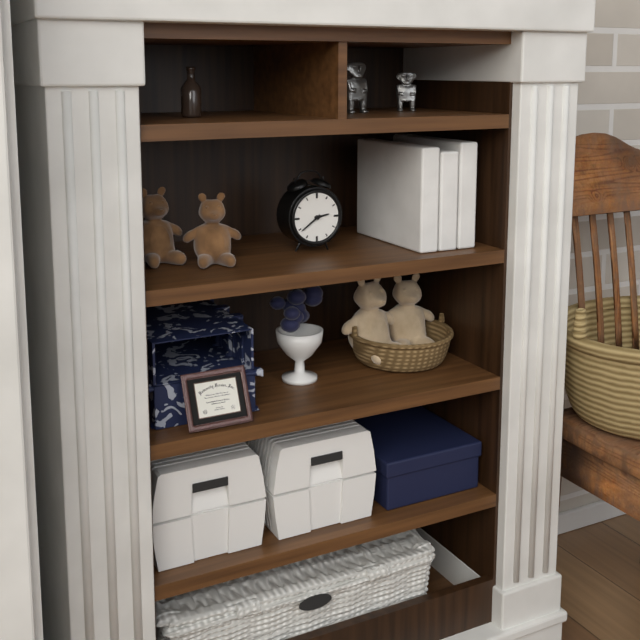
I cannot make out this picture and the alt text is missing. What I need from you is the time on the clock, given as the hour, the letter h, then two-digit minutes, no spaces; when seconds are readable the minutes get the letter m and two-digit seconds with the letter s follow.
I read 2h39
